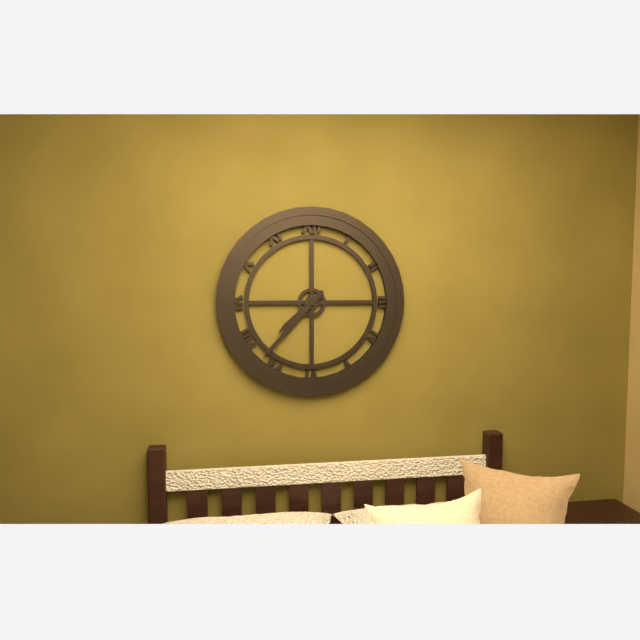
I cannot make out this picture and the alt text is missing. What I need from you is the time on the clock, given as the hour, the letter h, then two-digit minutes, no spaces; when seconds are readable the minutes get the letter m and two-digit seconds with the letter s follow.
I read 7h37
